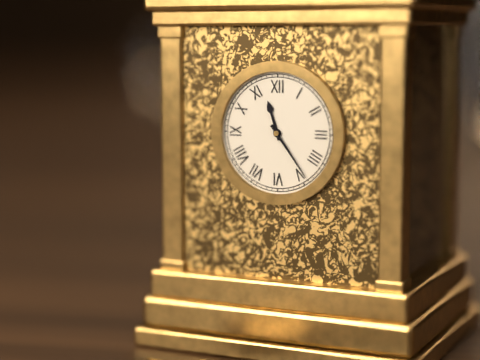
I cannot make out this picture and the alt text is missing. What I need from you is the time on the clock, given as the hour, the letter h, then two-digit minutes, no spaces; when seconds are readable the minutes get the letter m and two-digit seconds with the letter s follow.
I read 11h24
